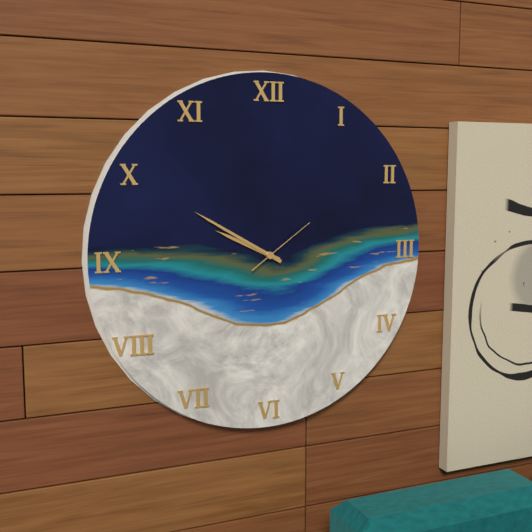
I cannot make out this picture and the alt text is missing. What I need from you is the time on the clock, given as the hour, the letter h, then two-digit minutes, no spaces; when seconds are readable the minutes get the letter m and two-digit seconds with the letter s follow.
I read 9h50m09s
